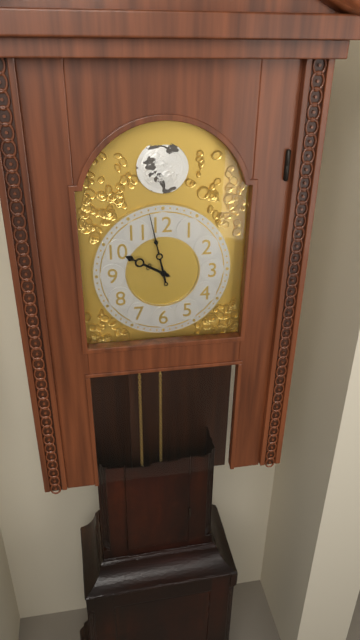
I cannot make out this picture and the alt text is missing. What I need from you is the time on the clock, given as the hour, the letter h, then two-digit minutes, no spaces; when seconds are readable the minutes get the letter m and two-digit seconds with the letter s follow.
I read 9h58
